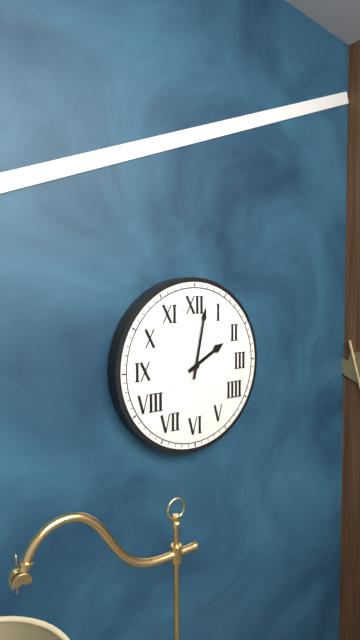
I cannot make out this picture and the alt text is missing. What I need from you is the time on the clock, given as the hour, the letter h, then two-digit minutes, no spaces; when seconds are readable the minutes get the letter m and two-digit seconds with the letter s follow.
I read 2h02
